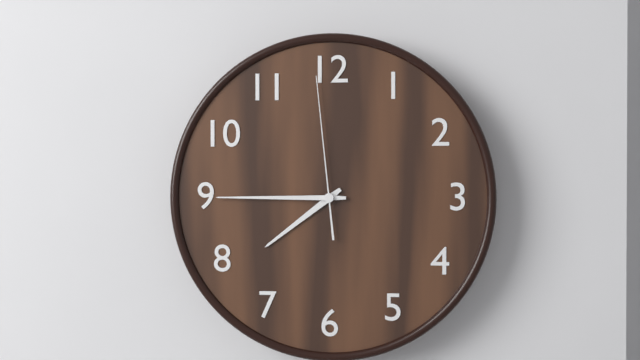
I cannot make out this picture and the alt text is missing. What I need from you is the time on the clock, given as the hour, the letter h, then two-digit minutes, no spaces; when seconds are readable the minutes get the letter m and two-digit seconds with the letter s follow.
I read 7h45m59s
